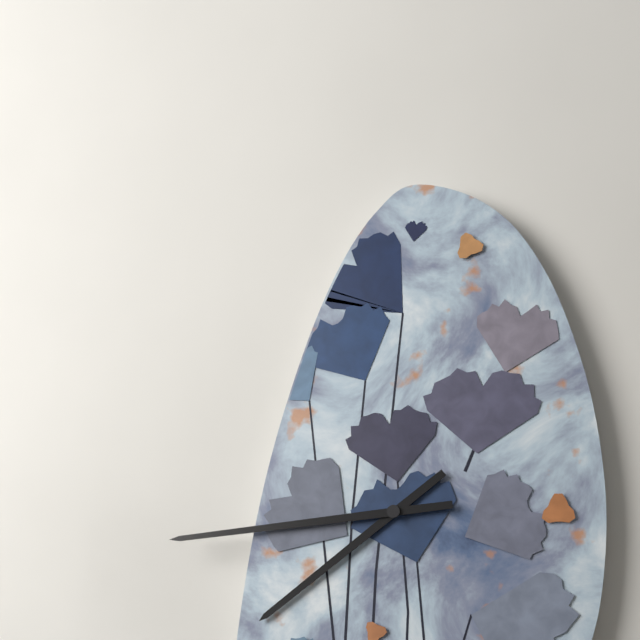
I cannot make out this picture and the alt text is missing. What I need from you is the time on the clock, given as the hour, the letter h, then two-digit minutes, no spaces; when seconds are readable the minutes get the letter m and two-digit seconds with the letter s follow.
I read 7h44
